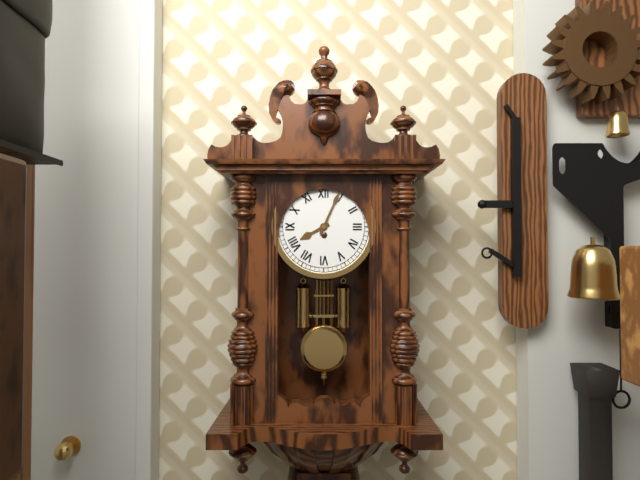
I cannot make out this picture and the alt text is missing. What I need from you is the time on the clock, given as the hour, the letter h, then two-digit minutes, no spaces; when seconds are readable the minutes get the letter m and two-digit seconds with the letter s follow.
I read 8h04
